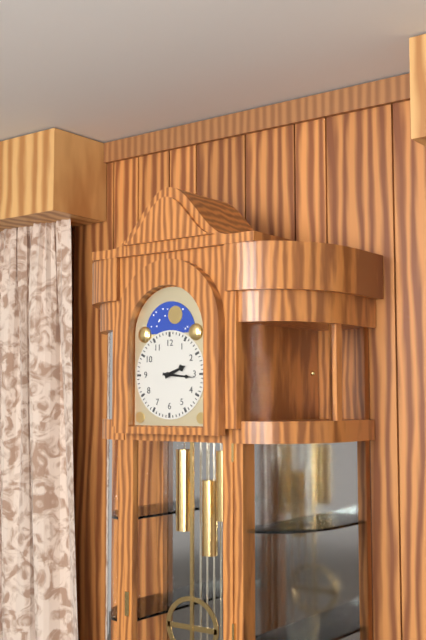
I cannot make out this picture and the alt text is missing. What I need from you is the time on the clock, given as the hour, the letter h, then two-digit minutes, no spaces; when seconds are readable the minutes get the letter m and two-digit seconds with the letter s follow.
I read 2h16
